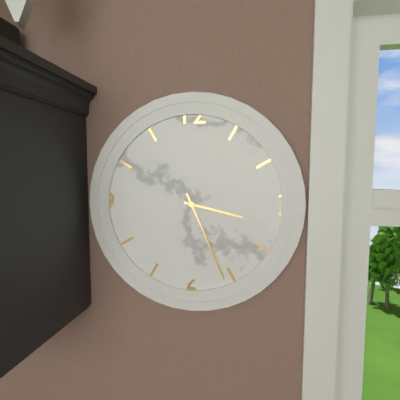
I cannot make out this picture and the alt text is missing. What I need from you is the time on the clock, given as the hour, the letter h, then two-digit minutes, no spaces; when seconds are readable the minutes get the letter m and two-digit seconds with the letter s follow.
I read 3h26
